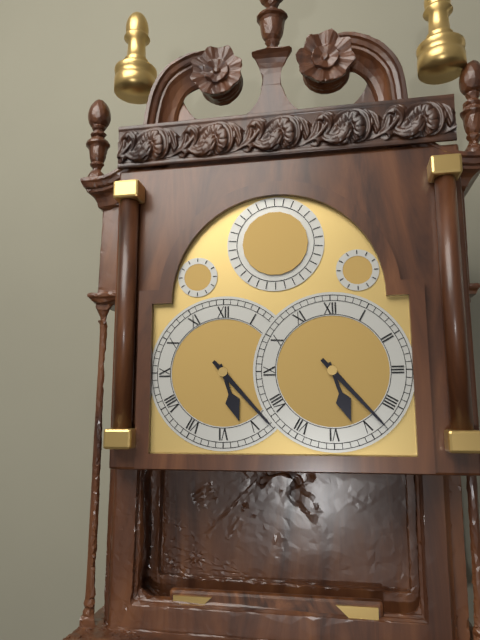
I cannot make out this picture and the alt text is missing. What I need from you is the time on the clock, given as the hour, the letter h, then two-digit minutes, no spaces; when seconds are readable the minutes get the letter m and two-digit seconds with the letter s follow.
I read 5h23
